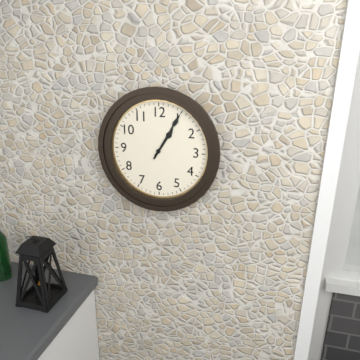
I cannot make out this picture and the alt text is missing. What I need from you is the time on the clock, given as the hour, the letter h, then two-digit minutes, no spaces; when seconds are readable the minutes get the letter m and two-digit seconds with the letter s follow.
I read 1h05
